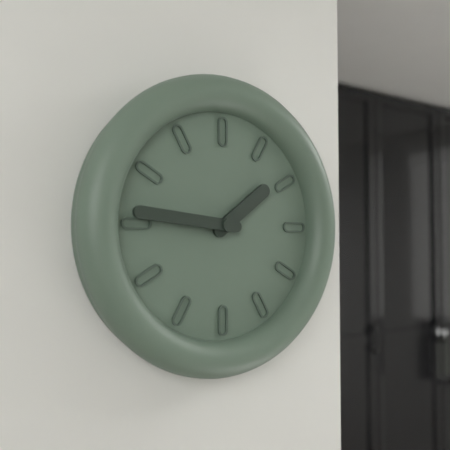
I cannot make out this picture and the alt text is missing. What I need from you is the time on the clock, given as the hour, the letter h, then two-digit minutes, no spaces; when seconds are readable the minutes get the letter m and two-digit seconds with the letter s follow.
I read 1h46
